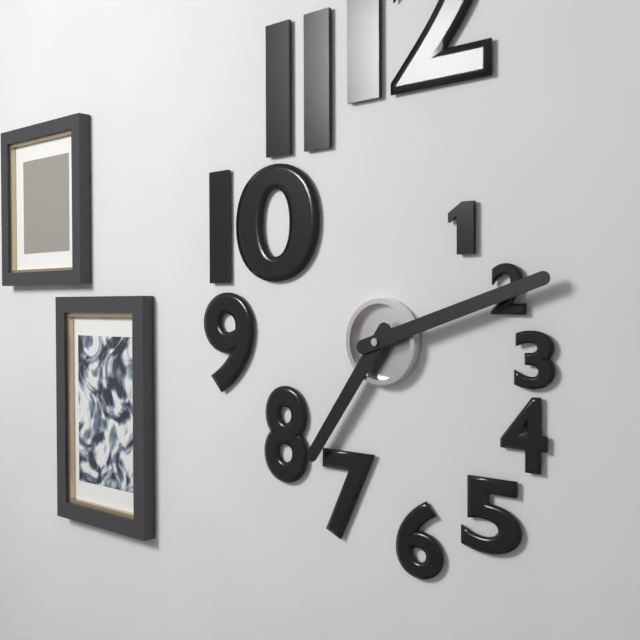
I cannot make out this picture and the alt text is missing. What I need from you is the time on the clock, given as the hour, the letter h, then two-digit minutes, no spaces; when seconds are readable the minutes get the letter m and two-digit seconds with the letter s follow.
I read 7h12
